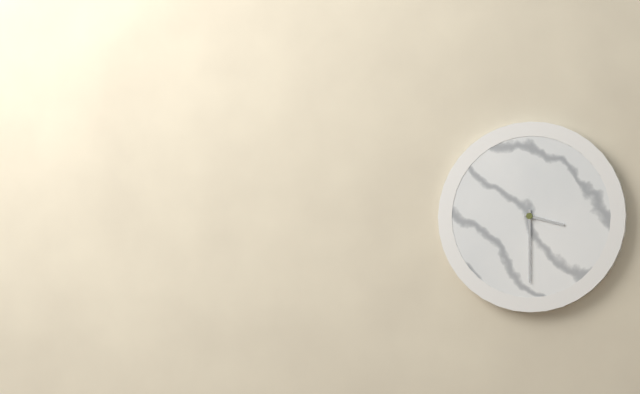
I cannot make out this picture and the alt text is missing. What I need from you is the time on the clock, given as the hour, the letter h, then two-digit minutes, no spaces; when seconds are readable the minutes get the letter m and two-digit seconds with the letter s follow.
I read 3h30
